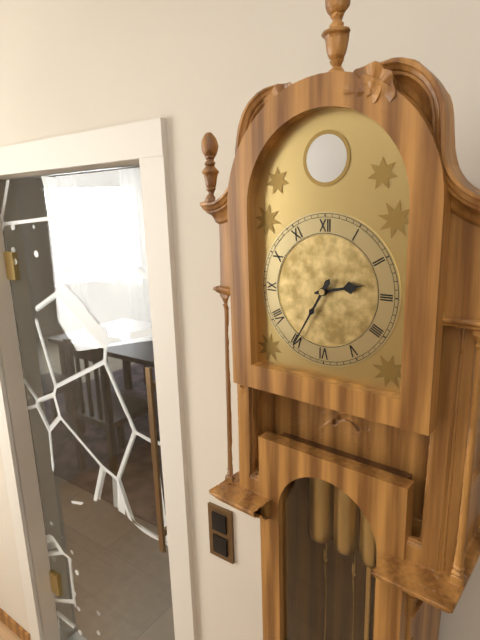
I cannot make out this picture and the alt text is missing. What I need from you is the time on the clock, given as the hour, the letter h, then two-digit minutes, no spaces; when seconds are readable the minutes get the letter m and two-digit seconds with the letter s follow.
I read 2h35
